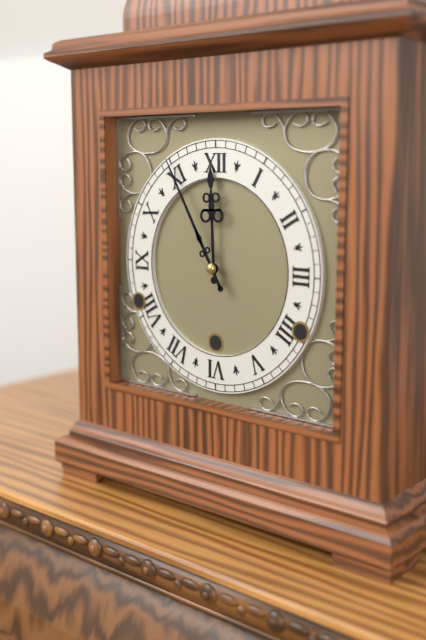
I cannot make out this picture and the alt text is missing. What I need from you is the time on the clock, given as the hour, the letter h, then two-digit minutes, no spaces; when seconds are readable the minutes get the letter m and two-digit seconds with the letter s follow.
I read 11h55
